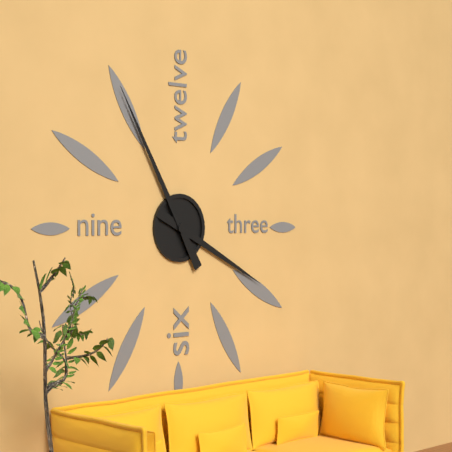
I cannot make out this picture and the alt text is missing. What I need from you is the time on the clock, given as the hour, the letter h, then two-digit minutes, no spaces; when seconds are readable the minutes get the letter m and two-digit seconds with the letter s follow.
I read 3h55
